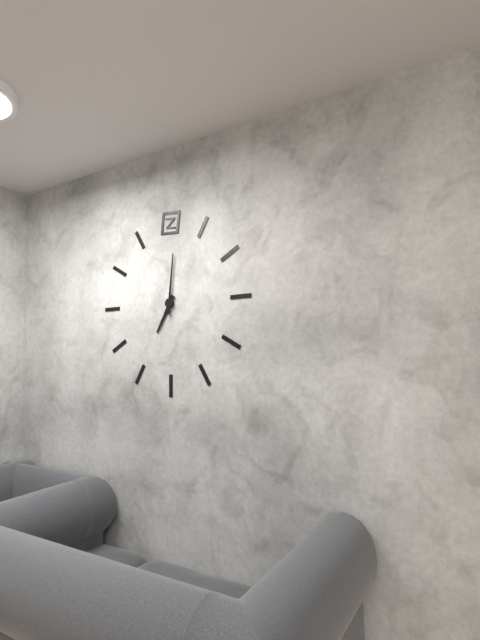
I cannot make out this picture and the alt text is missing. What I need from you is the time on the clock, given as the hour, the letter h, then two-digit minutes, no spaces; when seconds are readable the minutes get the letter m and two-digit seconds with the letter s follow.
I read 7h01
